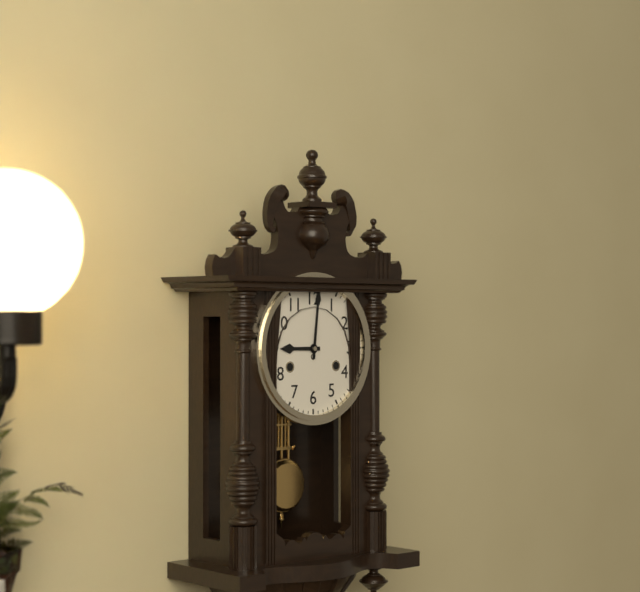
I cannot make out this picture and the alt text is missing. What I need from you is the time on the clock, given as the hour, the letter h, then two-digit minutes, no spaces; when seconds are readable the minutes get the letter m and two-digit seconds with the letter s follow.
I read 9h01
